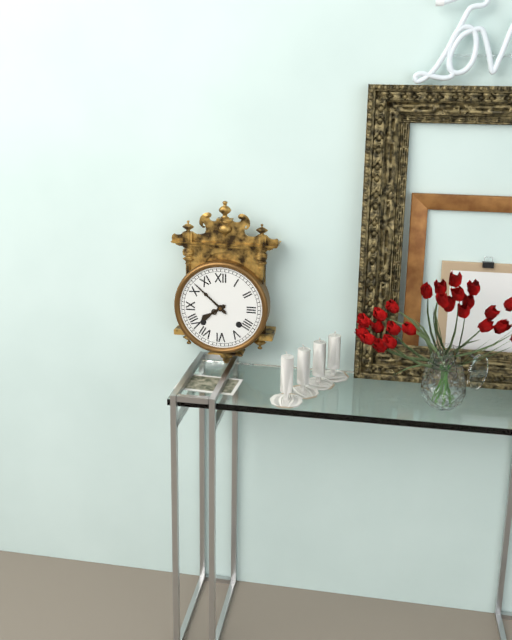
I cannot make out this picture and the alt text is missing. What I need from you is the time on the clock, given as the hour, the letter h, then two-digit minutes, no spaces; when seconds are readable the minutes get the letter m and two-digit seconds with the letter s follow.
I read 7h52
